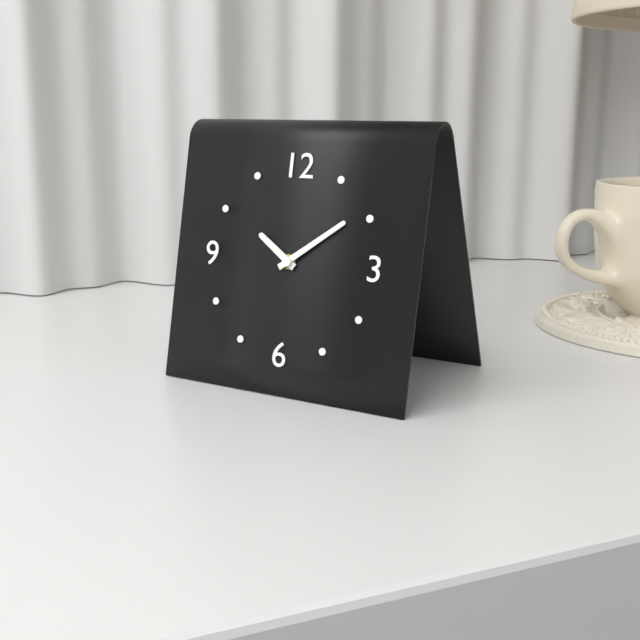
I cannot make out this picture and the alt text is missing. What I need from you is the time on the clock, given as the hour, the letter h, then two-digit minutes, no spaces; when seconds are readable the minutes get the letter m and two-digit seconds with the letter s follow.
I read 10h09
